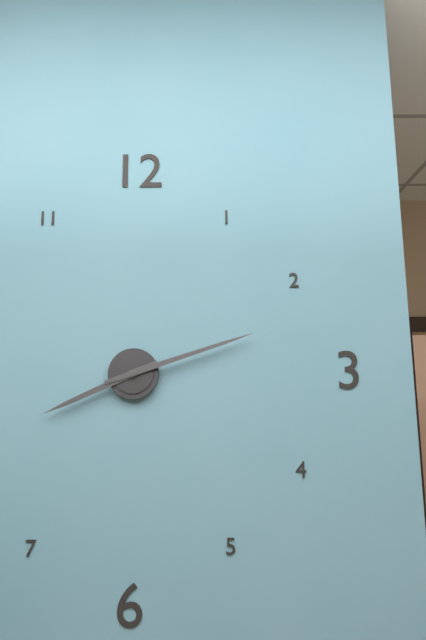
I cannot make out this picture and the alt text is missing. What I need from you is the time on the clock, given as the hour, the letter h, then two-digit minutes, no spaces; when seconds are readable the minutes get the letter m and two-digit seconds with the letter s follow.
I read 8h12
